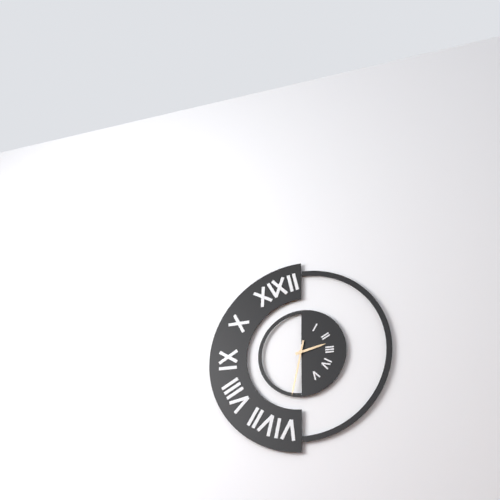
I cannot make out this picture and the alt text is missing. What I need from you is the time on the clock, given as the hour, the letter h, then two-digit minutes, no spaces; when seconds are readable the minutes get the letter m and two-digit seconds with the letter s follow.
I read 2h32
